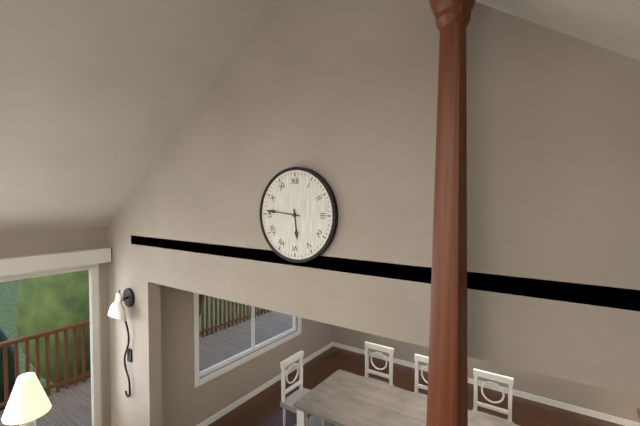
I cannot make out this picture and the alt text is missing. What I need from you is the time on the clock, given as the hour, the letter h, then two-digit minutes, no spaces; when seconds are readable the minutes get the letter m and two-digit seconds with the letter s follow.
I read 5h46
